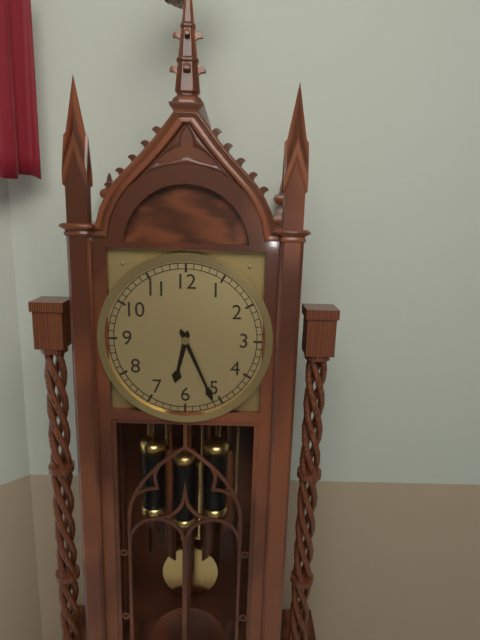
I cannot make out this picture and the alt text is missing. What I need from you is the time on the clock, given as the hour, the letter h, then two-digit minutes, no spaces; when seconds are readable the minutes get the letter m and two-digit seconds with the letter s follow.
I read 6h26
